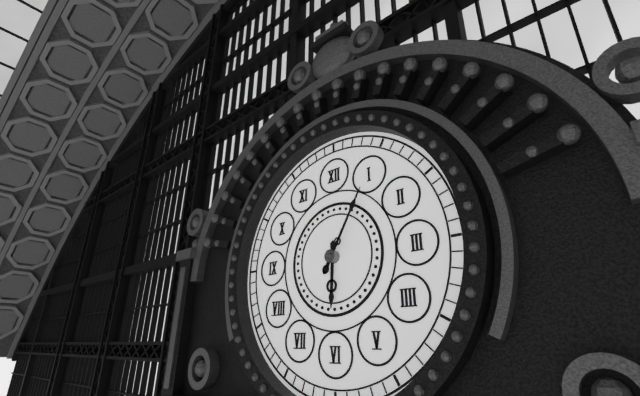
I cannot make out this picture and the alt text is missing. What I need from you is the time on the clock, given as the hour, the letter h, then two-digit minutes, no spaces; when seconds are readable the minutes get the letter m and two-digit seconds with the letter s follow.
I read 6h05
